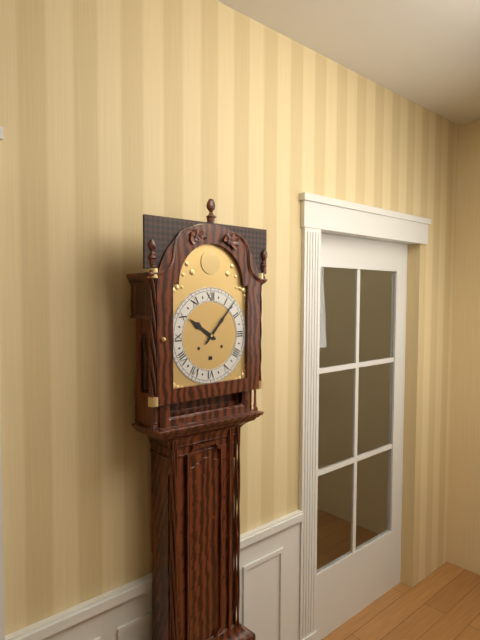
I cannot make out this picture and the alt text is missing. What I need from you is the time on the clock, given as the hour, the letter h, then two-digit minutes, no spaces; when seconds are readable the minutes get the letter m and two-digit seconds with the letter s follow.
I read 10h07
